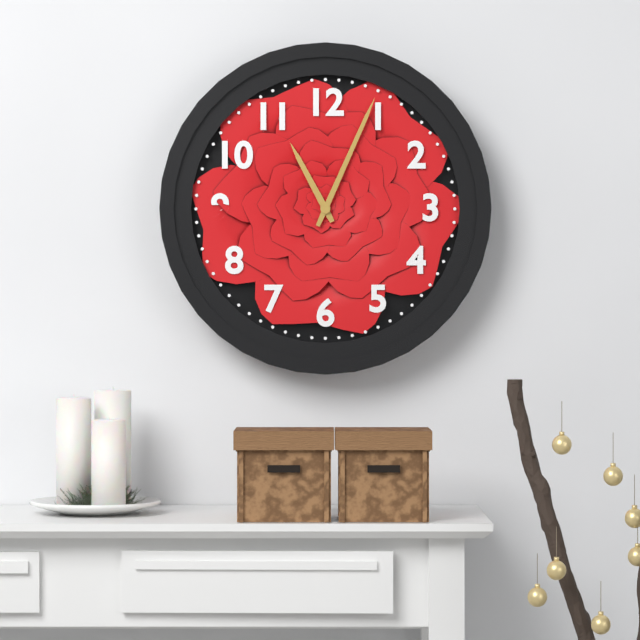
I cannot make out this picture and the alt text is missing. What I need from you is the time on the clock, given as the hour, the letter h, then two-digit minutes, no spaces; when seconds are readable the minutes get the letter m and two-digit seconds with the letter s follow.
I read 11h04
